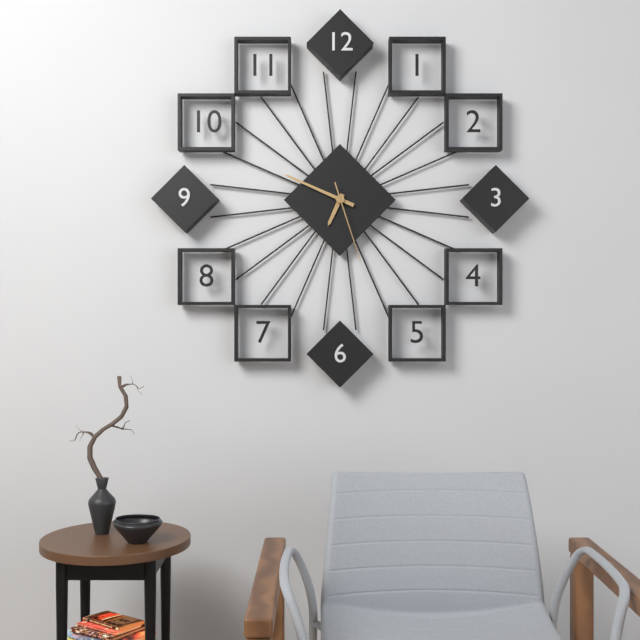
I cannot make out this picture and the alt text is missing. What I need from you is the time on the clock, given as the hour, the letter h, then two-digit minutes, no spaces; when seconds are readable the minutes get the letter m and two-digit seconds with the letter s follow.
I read 6h49m27s
